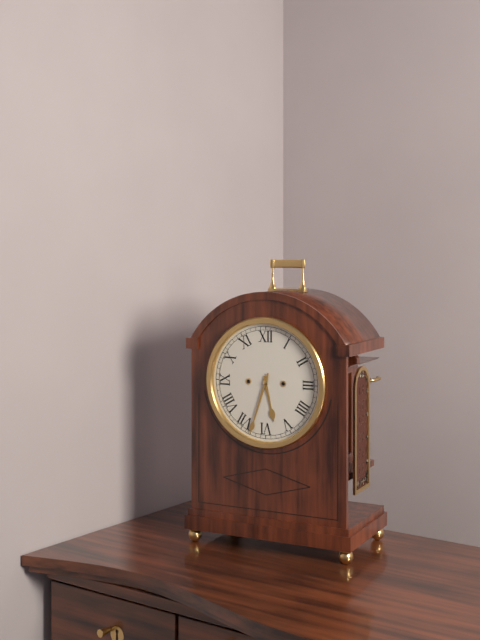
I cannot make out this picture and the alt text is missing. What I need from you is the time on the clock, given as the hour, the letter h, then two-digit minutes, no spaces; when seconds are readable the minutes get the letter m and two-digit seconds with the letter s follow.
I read 5h33
